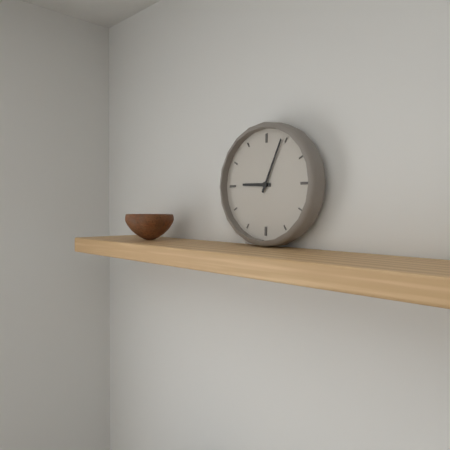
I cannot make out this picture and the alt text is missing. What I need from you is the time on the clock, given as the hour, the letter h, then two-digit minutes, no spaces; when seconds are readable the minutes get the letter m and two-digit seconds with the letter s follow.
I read 9h04
